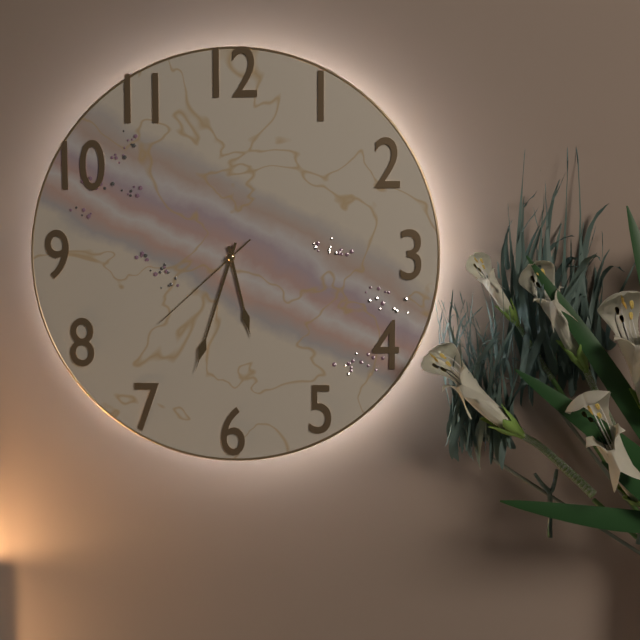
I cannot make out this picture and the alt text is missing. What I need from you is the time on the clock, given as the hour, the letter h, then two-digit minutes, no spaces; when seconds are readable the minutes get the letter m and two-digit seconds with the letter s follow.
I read 5h33m38s
